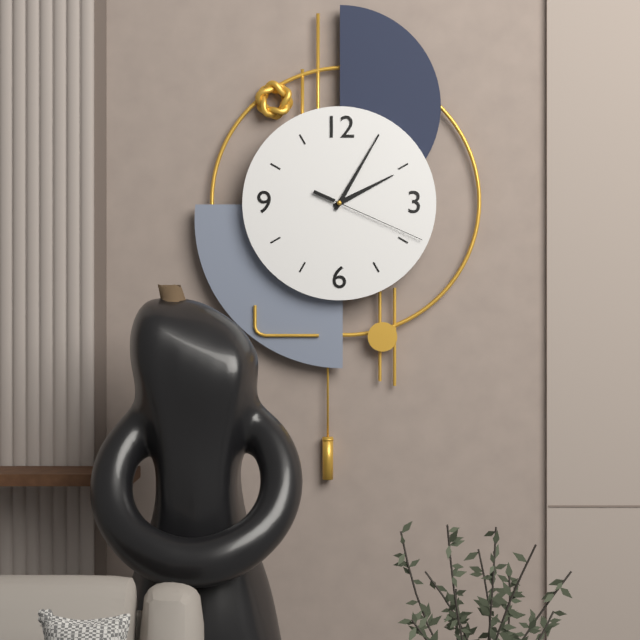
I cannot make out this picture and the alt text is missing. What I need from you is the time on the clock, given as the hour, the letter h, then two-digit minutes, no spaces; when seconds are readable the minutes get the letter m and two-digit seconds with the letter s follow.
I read 2h05m19s
